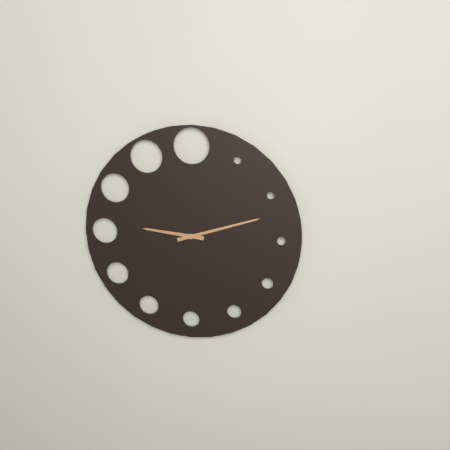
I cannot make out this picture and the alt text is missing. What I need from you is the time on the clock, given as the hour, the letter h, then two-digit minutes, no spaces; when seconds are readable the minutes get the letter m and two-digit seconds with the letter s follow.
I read 9h12
